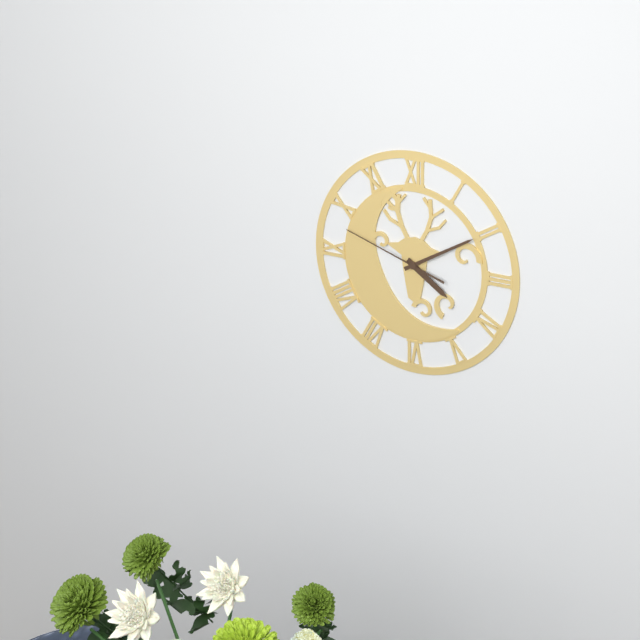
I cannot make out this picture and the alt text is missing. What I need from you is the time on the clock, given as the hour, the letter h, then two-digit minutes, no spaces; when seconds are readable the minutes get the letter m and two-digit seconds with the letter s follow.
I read 4h10m48s
